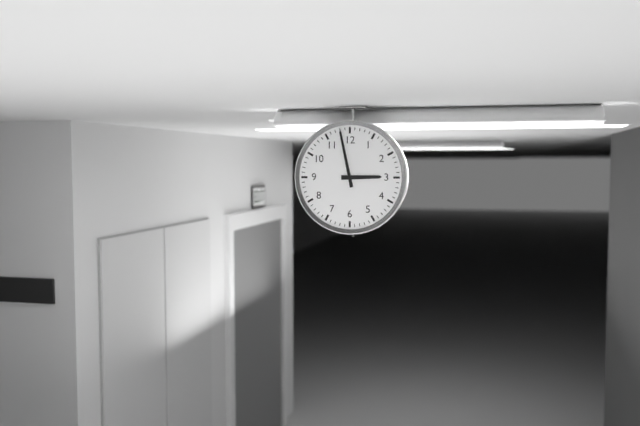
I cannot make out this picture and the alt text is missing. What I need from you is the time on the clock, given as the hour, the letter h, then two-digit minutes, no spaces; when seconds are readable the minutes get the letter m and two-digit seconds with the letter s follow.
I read 2h58
